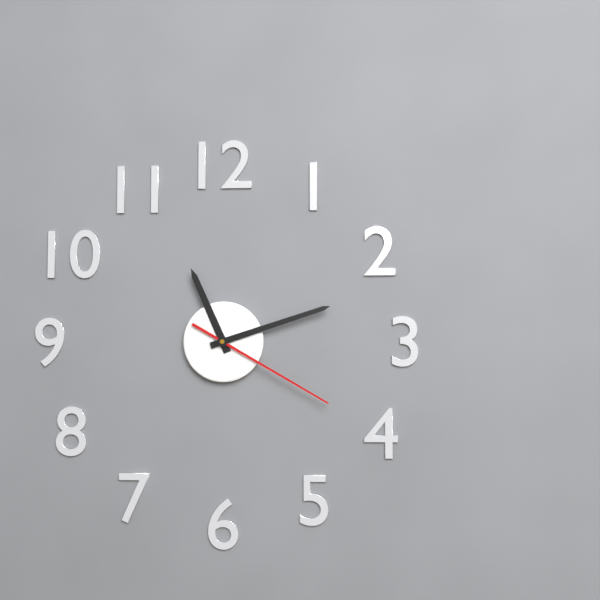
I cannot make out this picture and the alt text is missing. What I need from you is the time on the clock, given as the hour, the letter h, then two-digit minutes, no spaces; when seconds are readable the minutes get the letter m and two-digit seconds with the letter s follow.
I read 11h12m20s
